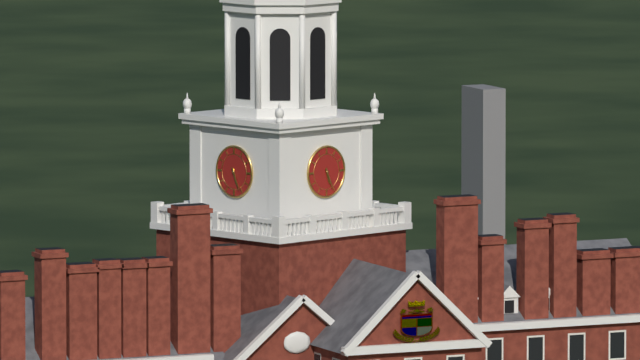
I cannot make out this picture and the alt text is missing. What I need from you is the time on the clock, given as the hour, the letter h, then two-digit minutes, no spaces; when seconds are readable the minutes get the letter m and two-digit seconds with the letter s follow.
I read 5h26
